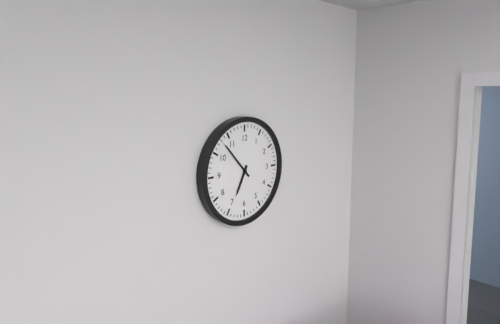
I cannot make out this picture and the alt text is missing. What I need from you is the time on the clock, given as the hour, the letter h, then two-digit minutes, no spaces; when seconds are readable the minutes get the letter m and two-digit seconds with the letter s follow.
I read 6h53
